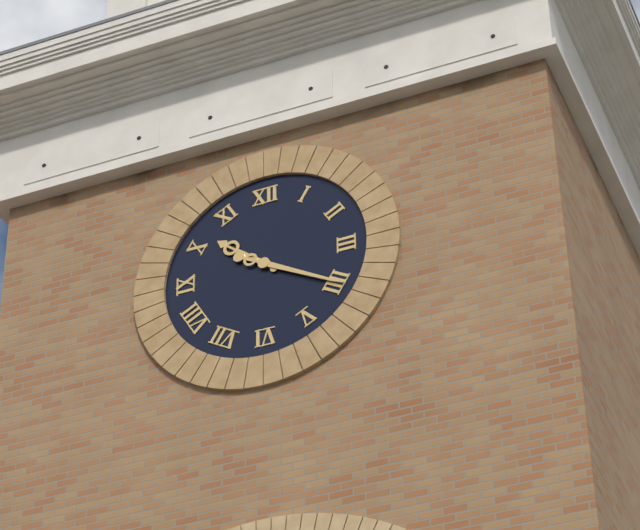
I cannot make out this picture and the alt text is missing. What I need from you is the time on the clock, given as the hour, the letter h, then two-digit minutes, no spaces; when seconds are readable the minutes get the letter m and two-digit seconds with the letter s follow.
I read 10h20
